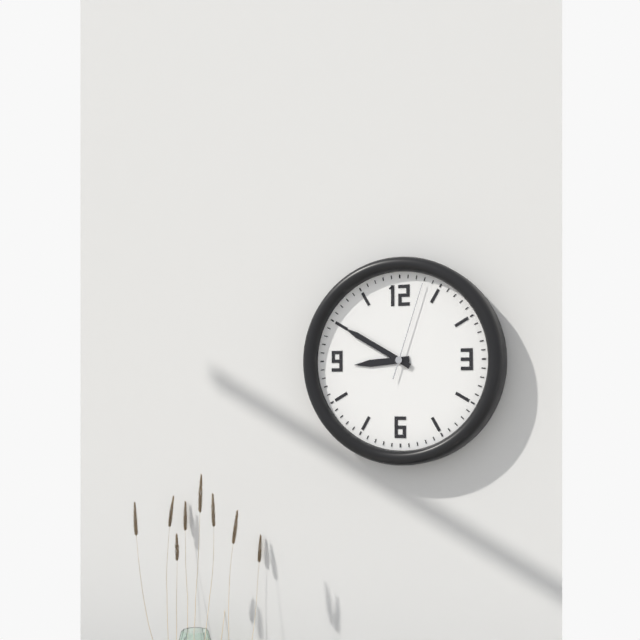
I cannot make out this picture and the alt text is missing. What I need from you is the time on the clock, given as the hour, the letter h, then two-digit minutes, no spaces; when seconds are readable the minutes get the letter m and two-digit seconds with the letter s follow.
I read 8h50m03s
